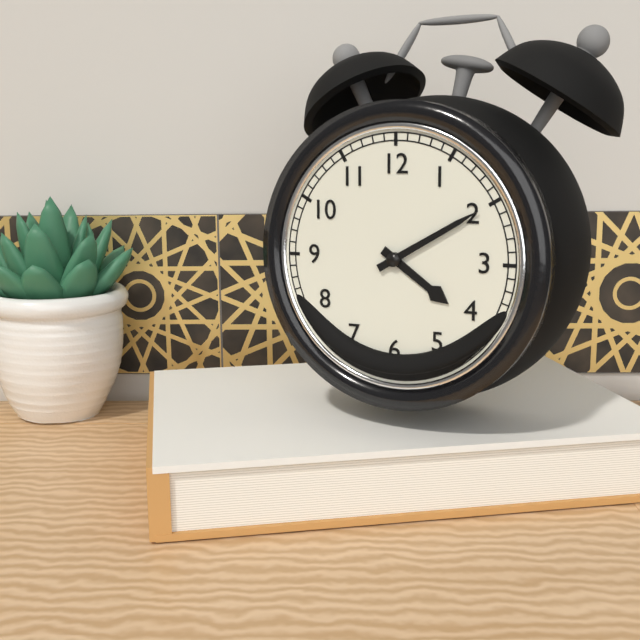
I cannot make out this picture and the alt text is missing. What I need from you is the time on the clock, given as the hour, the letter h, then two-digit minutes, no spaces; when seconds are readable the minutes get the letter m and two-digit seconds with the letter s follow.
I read 4h10
